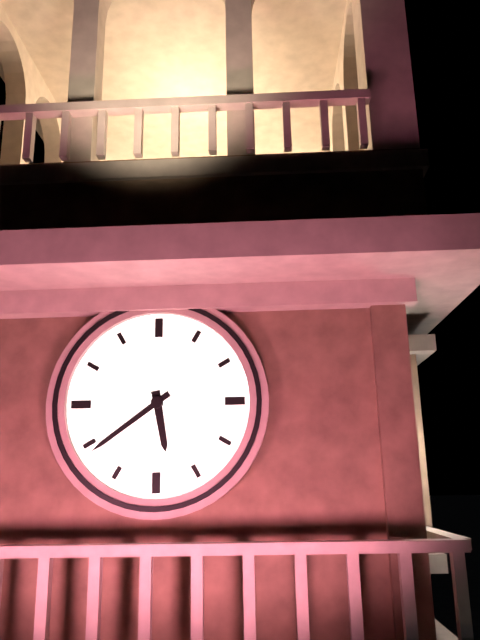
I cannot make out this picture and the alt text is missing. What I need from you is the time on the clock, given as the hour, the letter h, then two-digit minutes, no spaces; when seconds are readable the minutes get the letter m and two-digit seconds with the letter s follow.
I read 5h39
